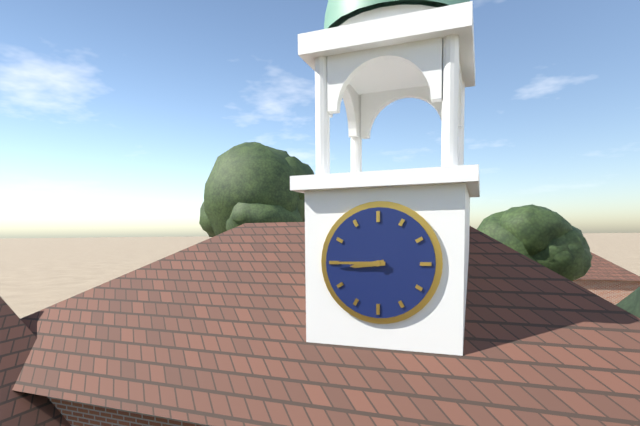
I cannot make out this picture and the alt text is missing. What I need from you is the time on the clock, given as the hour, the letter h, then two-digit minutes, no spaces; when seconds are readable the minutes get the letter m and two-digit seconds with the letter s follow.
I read 8h45
